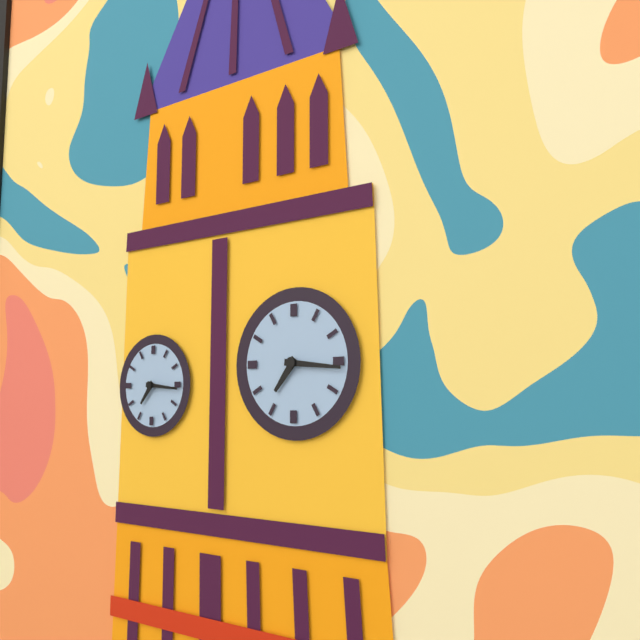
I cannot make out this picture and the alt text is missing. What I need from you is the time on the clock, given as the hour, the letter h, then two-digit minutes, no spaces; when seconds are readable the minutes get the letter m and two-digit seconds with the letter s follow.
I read 7h16
